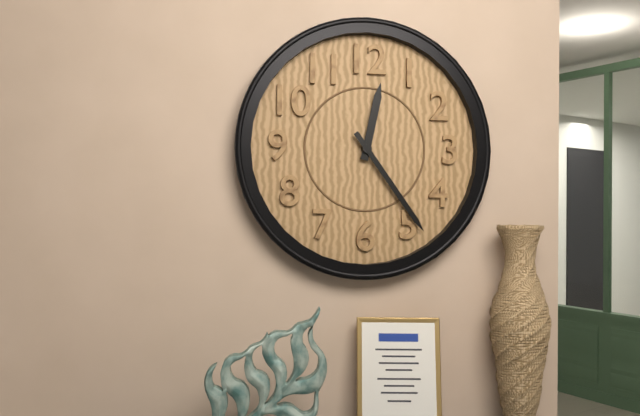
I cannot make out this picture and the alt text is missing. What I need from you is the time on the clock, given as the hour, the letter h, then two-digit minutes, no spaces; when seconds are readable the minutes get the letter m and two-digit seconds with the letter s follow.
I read 12h24
